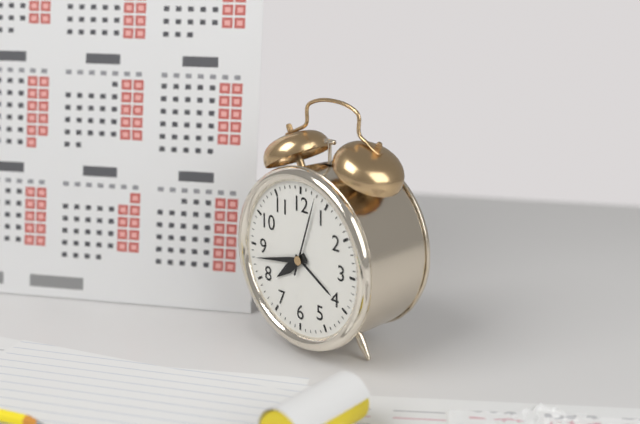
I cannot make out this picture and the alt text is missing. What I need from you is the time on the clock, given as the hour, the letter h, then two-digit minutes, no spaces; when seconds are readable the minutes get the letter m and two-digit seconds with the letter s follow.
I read 7h43m03s
